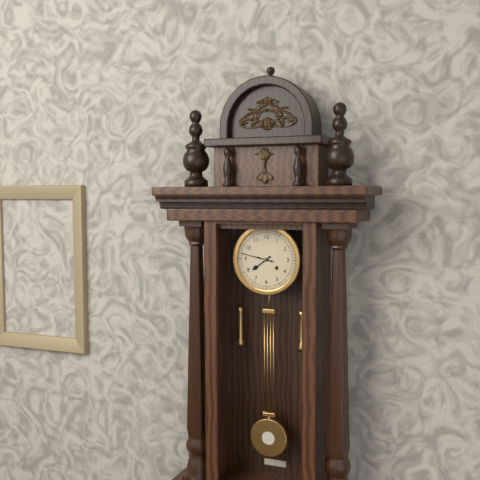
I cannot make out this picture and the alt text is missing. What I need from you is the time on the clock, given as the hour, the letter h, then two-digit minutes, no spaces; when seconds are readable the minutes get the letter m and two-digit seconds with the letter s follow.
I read 7h47
